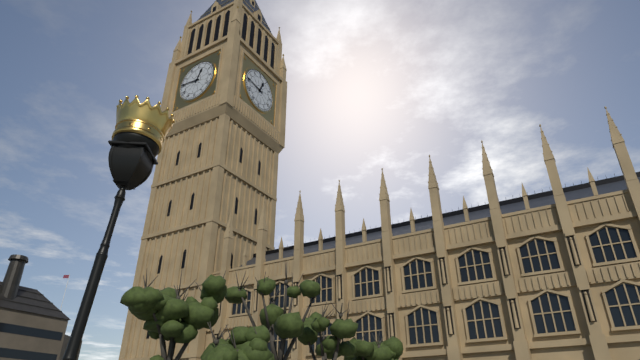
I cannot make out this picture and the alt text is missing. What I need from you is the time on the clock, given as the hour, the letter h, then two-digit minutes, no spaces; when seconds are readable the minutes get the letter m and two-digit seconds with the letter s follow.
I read 12h46
